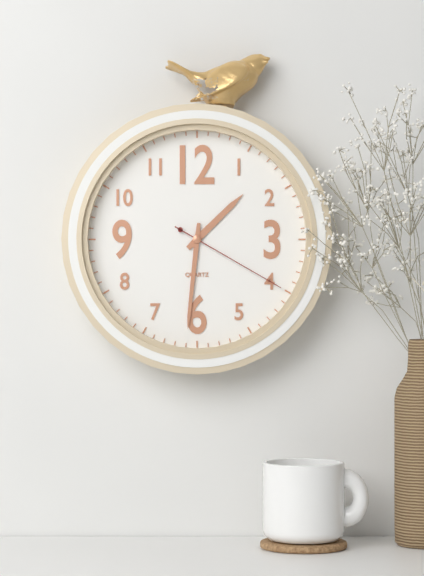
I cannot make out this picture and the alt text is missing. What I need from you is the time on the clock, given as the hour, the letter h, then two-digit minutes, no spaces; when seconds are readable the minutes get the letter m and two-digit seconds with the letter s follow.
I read 1h31m20s
